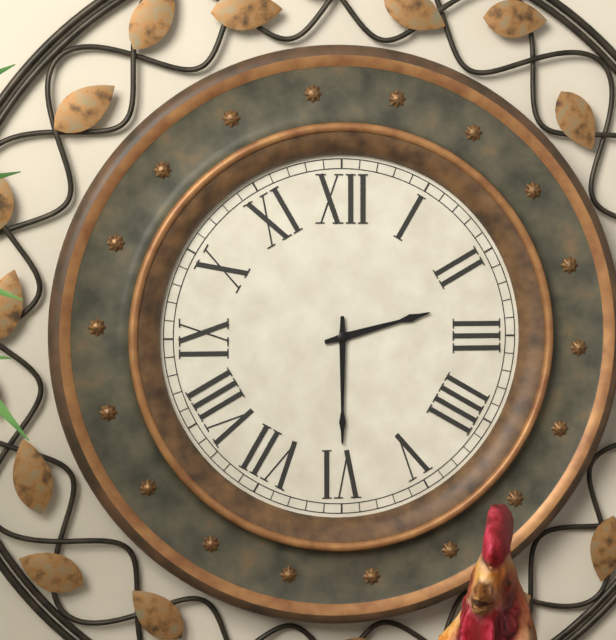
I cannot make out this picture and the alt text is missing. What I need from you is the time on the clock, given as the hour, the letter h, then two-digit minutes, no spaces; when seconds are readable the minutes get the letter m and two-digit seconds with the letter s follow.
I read 2h30
